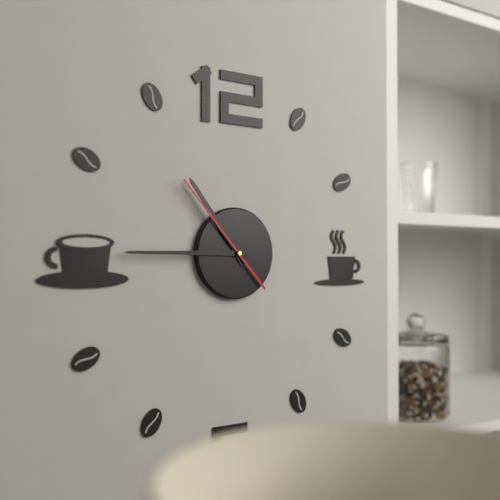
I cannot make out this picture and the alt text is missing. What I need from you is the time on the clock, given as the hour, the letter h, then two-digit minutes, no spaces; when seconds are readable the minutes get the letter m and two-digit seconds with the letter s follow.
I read 10h45m53s
